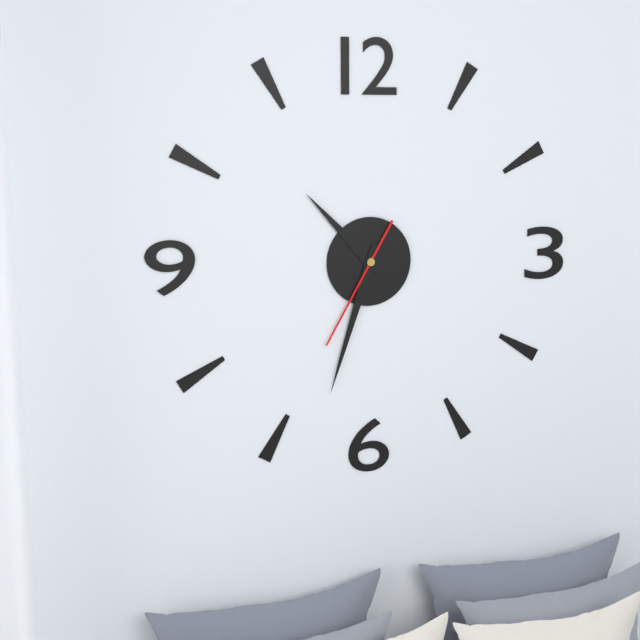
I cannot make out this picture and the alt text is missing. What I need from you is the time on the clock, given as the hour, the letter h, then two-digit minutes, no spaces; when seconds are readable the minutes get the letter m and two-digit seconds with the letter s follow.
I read 10h33m35s
